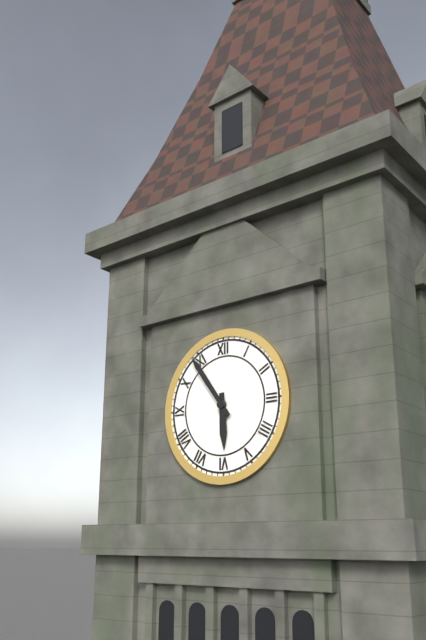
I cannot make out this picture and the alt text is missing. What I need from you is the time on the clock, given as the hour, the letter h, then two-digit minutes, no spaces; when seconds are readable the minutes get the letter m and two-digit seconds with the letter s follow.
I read 5h54
